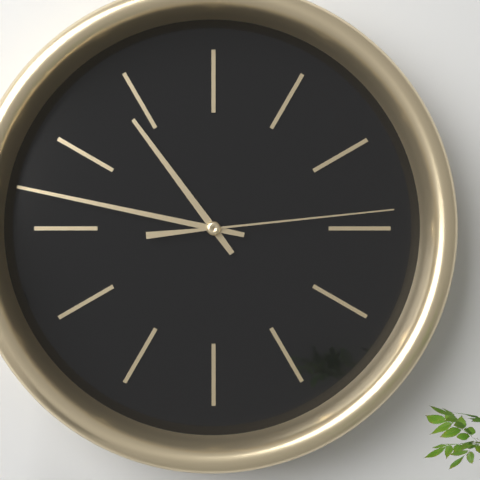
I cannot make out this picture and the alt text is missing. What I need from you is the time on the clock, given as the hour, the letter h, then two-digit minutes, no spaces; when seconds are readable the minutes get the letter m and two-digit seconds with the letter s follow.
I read 10h47m14s
